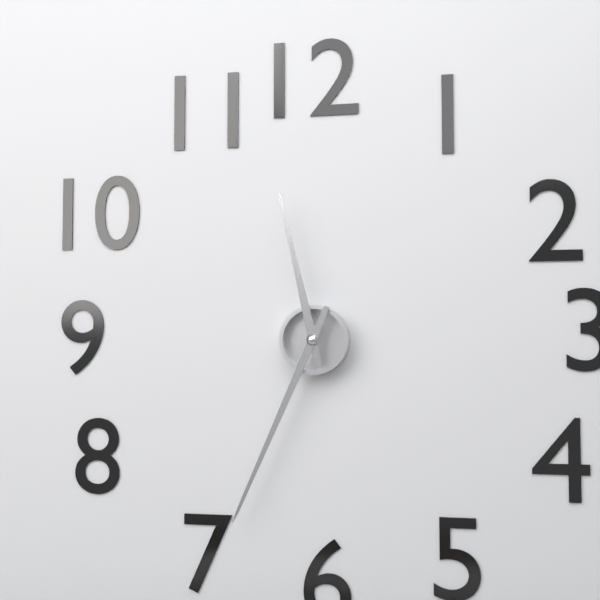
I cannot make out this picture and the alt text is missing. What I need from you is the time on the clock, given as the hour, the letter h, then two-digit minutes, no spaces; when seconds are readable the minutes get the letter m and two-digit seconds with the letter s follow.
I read 11h34
